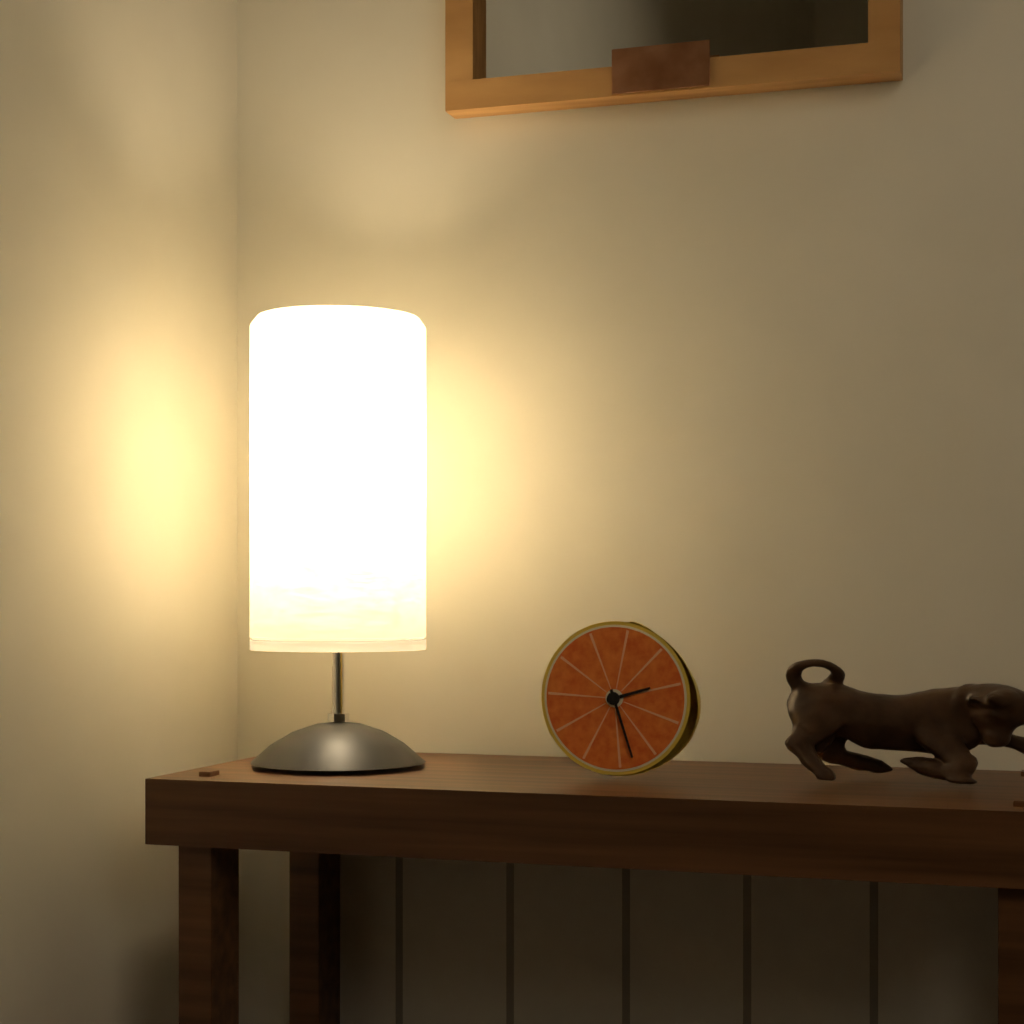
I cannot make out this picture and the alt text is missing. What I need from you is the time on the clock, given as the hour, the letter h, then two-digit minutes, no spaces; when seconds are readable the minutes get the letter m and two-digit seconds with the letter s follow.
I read 2h27
